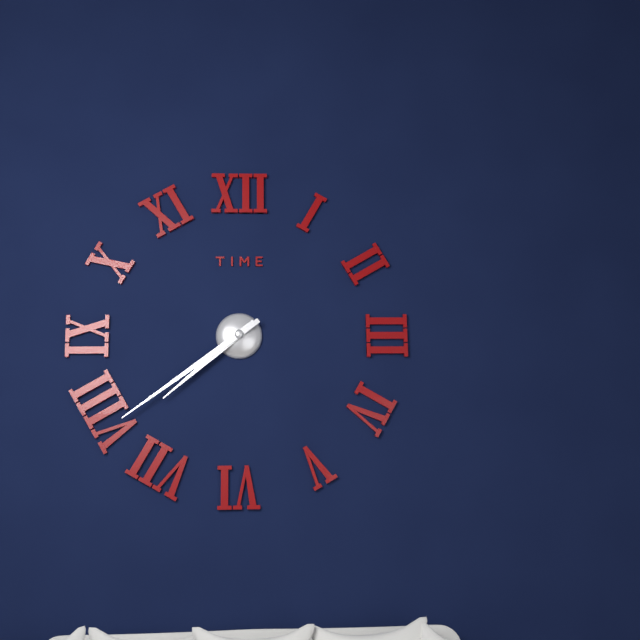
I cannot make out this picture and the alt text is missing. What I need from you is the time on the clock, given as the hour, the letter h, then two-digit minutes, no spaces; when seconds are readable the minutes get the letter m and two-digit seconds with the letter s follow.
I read 7h39
